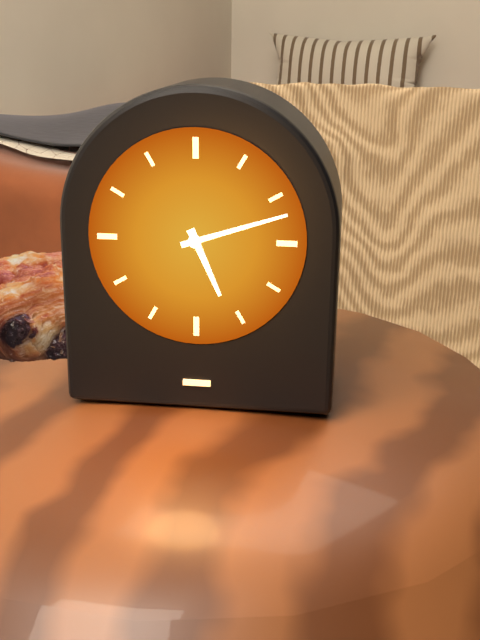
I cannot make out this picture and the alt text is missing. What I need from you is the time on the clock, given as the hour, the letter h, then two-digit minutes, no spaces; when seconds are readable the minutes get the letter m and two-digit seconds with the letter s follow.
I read 5h12
